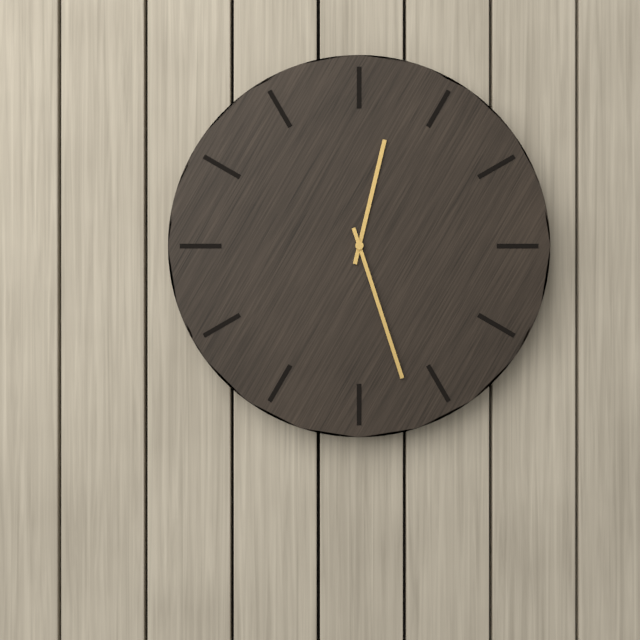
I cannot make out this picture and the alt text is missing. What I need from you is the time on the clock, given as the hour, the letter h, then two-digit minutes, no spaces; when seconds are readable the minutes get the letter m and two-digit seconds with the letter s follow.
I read 12h27
